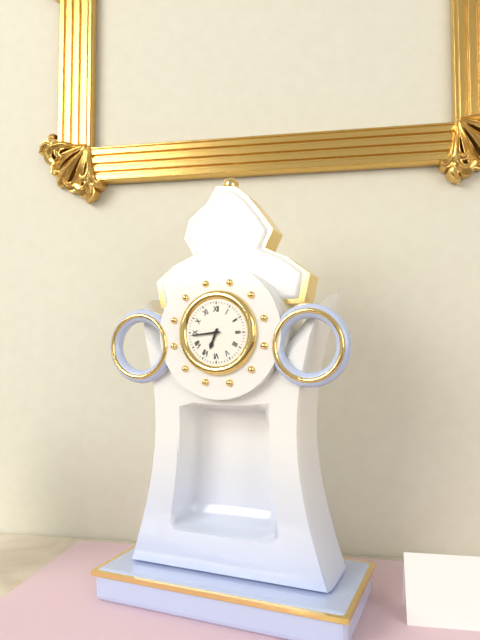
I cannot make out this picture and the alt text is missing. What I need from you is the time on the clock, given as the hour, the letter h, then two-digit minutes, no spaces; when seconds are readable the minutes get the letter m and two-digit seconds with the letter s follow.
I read 6h44
